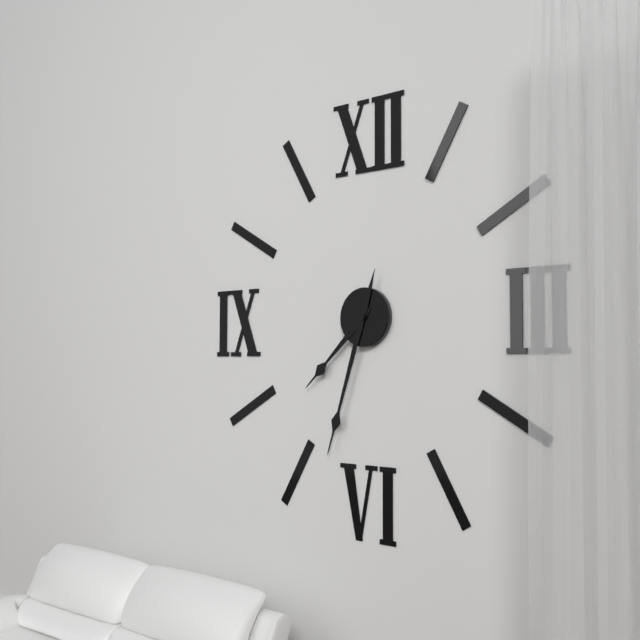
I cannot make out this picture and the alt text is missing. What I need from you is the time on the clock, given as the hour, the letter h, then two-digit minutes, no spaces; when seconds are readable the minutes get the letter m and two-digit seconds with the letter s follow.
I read 7h33
